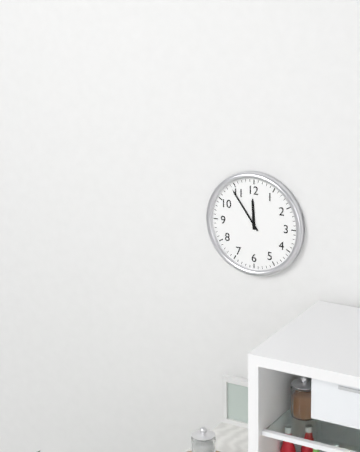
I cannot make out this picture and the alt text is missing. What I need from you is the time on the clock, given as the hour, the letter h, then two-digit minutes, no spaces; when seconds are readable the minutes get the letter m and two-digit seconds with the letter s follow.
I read 11h54
